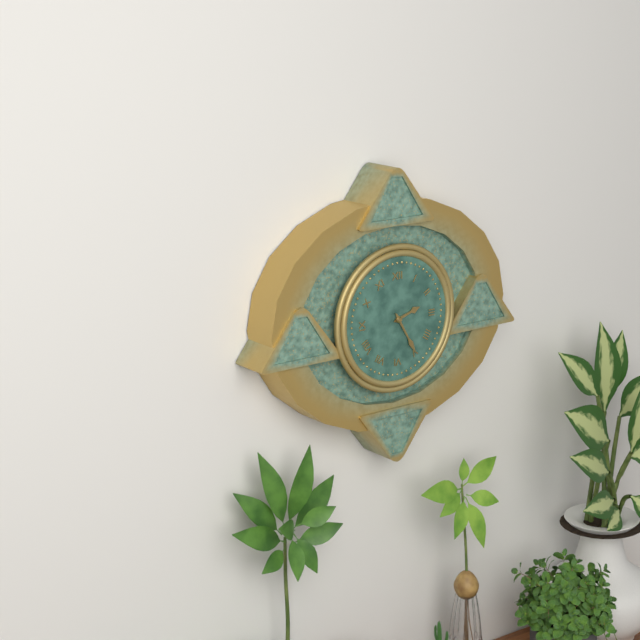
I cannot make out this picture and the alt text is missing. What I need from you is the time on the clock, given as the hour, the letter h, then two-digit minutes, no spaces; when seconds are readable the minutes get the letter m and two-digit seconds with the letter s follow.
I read 2h25
